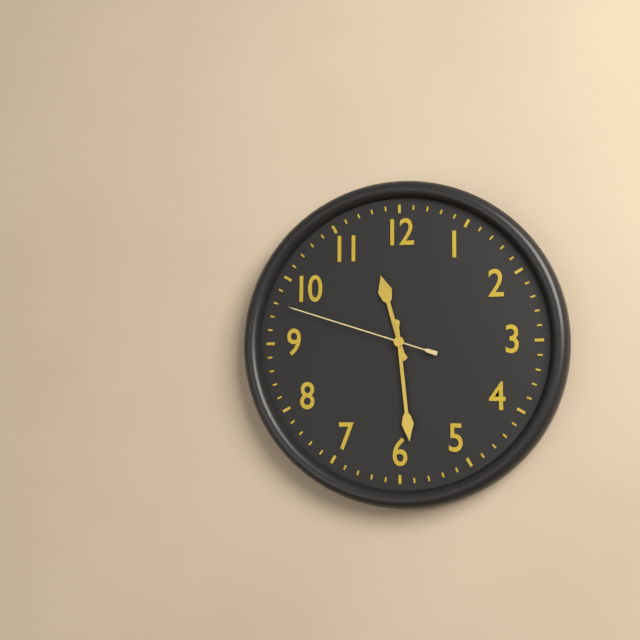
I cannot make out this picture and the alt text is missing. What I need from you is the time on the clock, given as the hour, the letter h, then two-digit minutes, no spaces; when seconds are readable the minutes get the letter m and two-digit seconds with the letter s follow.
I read 11h29m48s
